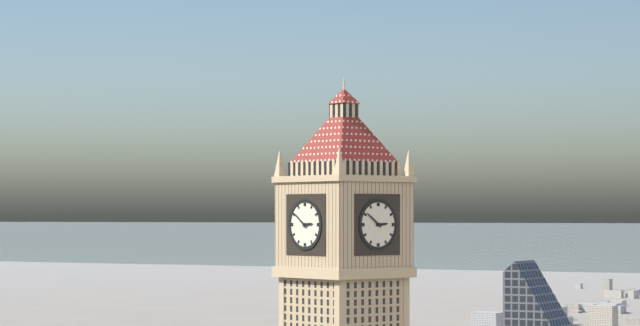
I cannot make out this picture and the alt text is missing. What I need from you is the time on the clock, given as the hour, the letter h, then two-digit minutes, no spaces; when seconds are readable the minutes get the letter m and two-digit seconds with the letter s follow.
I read 2h51
